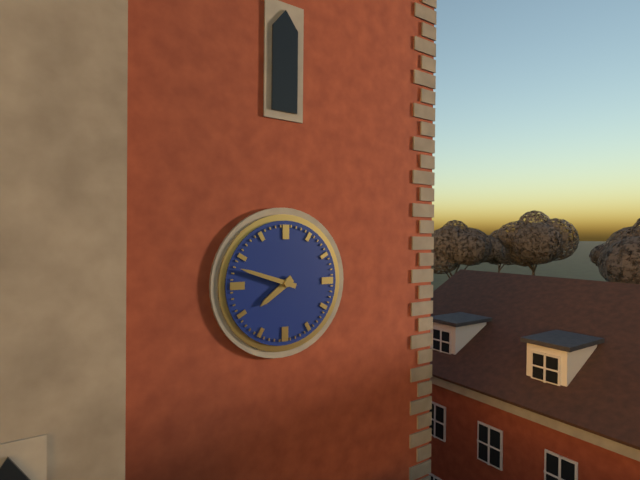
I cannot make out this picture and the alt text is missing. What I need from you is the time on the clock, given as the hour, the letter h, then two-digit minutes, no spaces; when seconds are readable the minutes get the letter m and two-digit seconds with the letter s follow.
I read 7h48
